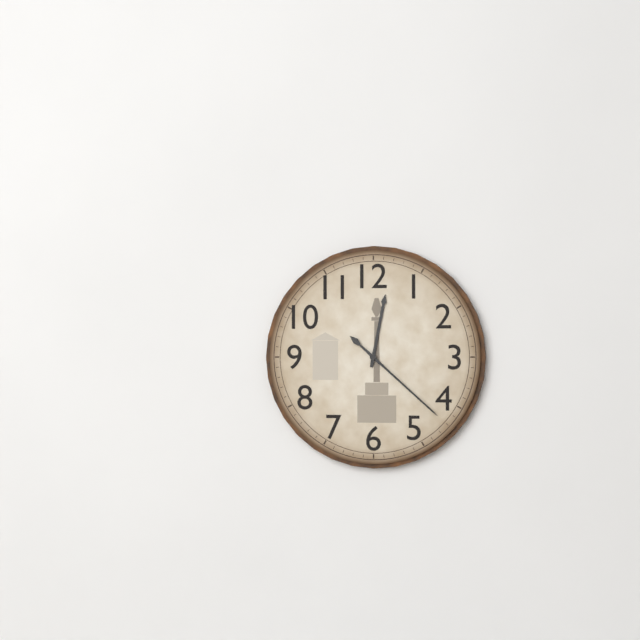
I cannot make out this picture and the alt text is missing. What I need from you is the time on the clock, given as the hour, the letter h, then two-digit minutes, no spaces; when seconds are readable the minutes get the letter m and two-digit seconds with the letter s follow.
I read 12h22
